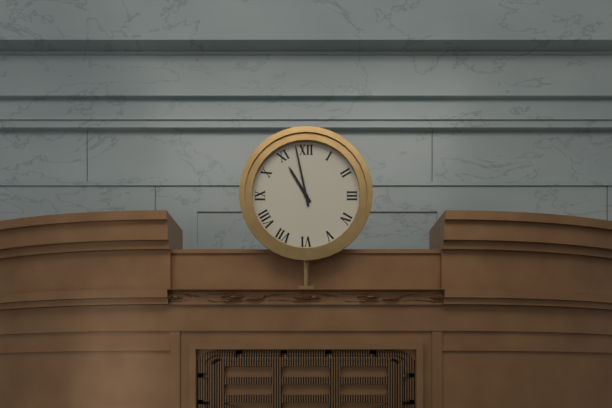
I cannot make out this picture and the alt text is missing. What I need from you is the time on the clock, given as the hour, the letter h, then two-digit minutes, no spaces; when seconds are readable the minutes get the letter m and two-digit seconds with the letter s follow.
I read 10h58
